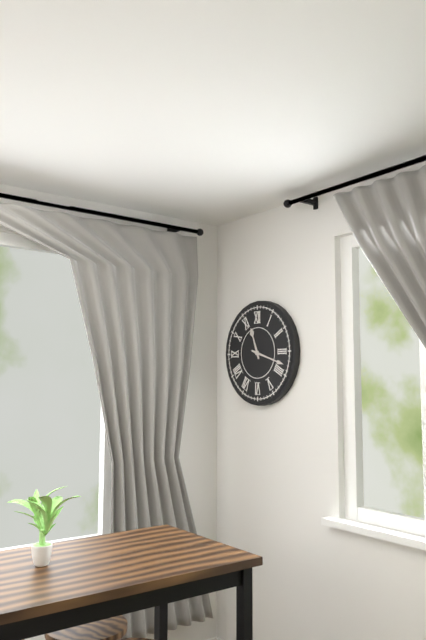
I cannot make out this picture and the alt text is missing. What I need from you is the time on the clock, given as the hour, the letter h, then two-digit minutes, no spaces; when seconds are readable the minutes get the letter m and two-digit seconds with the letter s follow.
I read 11h18
